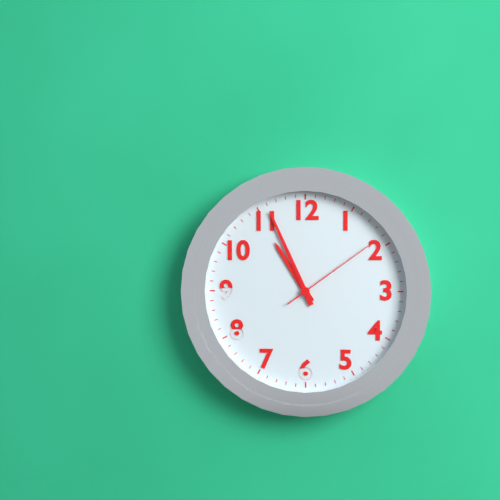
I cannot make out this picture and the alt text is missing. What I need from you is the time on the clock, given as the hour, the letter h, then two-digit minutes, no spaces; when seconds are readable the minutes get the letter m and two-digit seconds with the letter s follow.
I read 10h56m09s
